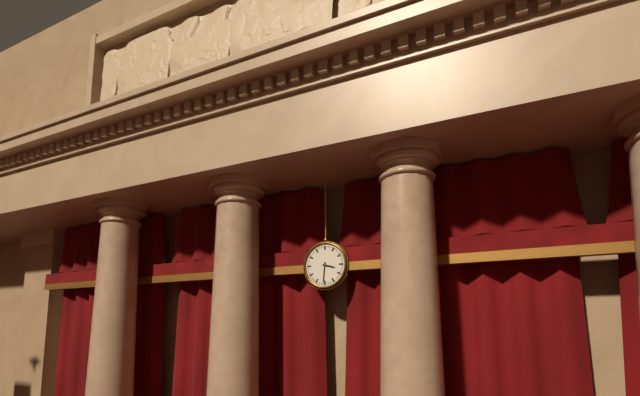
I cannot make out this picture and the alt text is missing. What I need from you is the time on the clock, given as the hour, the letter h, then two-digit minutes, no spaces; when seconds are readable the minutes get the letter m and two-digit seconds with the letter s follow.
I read 3h31
